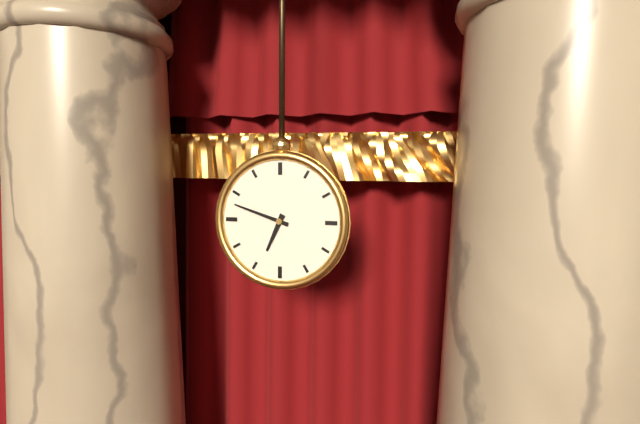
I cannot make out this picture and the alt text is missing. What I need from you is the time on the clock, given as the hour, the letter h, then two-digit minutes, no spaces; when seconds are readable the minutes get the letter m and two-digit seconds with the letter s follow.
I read 6h48
